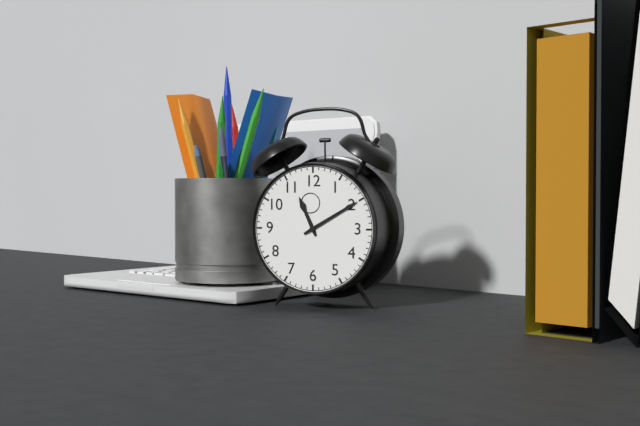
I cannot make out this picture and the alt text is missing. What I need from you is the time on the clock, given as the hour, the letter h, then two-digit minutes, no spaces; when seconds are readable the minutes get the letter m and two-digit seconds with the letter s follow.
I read 11h10
